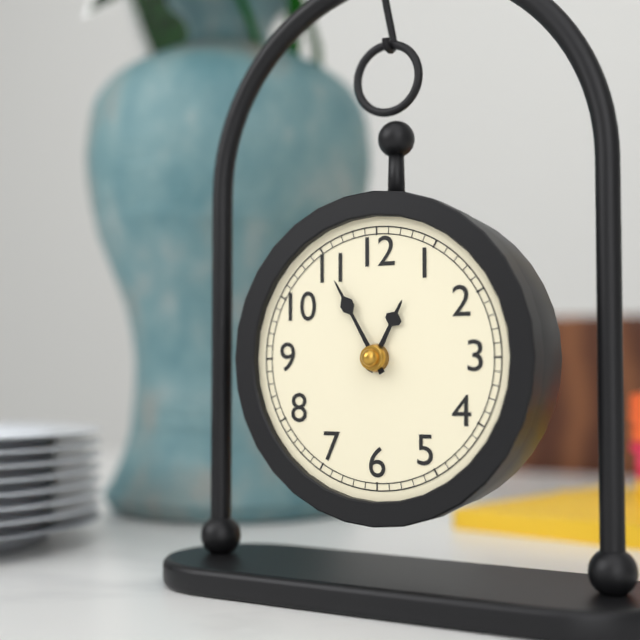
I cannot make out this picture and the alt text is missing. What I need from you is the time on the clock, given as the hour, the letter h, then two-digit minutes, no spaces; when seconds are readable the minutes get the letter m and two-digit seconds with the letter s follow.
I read 12h55
